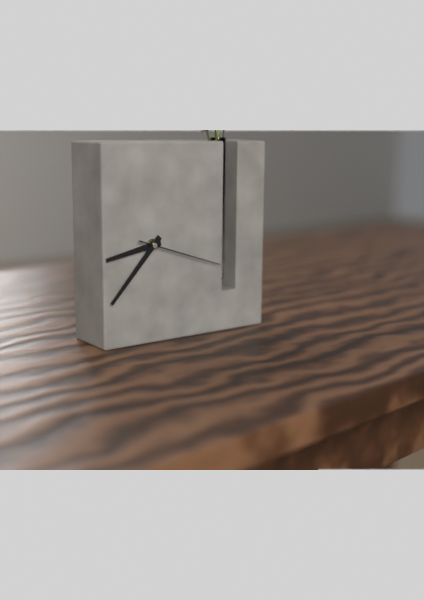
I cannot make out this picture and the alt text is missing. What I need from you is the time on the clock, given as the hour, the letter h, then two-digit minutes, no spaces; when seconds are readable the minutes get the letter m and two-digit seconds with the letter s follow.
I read 8h37m18s
